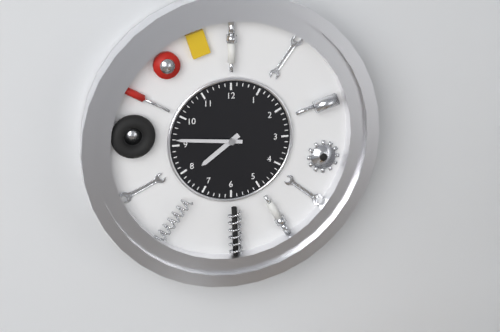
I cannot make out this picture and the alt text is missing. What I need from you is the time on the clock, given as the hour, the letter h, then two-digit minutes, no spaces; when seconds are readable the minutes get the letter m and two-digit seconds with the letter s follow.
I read 7h46
